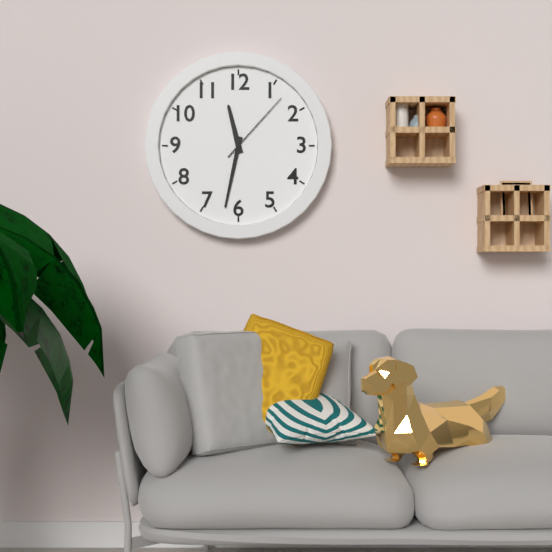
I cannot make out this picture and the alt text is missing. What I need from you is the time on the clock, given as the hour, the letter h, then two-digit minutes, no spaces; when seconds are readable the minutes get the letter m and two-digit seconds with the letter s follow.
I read 11h32m07s
